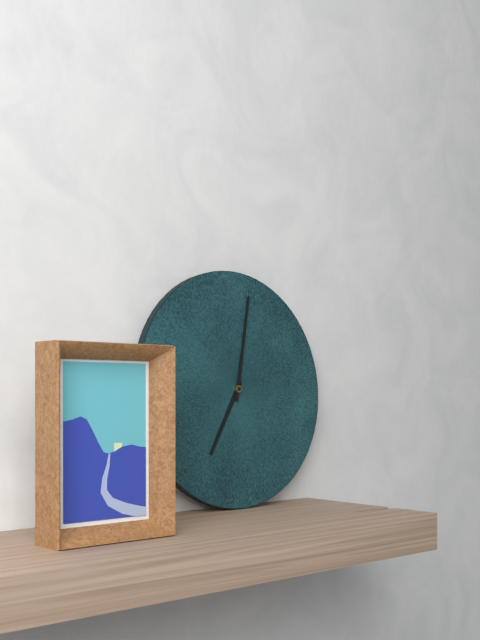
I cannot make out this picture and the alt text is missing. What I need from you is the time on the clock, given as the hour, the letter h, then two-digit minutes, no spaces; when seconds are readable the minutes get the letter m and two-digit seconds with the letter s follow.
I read 7h02
